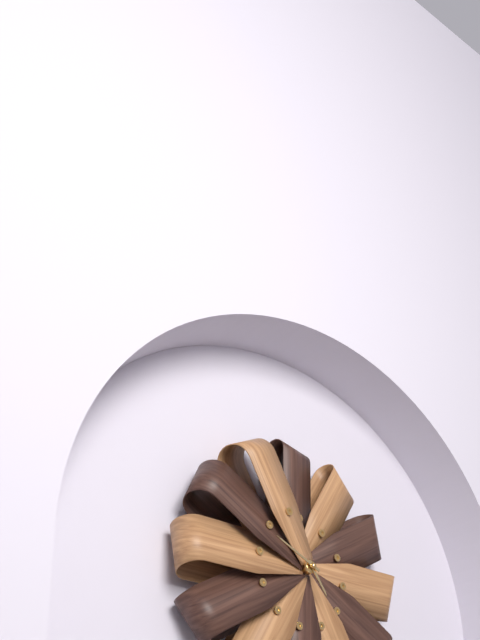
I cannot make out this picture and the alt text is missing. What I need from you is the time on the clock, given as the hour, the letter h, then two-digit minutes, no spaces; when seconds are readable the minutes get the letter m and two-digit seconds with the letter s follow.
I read 4h49
